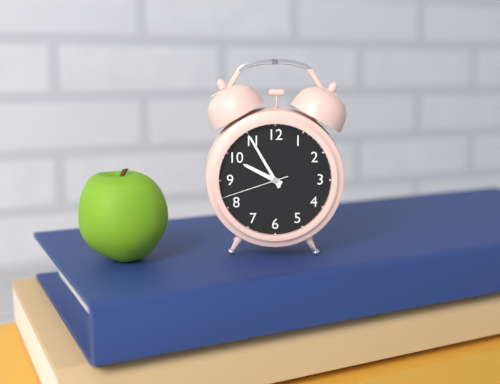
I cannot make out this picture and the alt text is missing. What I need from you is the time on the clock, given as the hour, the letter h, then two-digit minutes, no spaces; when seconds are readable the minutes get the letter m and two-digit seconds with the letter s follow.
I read 9h55m42s
